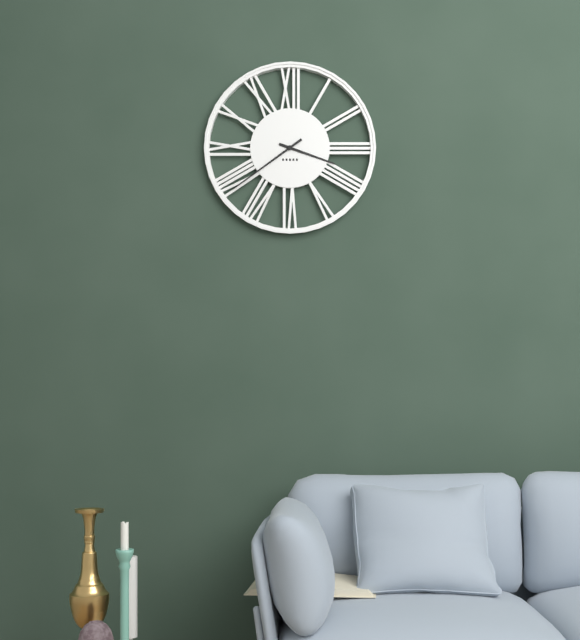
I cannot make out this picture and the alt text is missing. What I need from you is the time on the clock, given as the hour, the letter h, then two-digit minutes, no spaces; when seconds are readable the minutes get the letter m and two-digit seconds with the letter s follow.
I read 3h39
